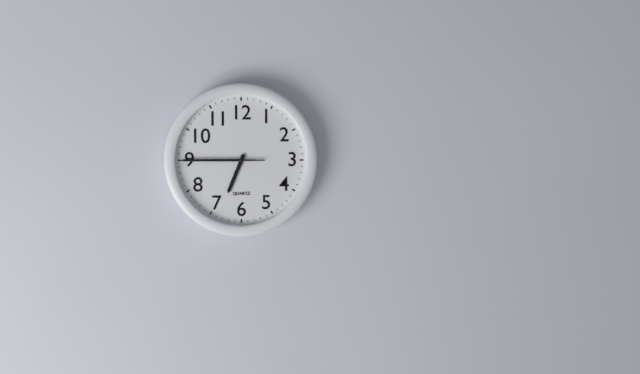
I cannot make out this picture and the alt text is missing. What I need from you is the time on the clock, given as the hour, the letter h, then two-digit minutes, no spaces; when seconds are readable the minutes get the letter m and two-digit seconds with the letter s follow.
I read 6h45
